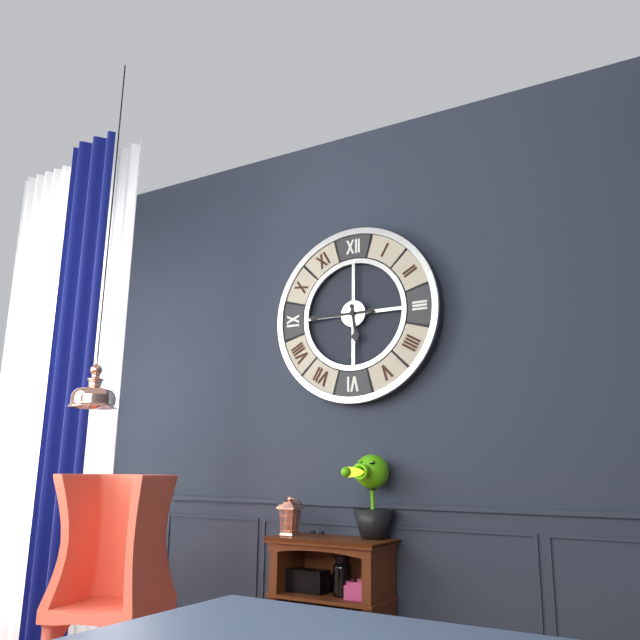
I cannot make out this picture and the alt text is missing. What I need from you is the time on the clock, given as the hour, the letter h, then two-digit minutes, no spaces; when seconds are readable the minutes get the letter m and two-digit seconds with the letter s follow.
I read 5h45
